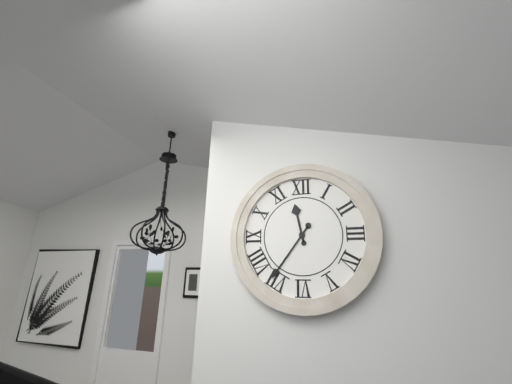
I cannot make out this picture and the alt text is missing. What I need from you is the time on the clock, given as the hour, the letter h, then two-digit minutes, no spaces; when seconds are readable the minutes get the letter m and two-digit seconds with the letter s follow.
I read 11h36
